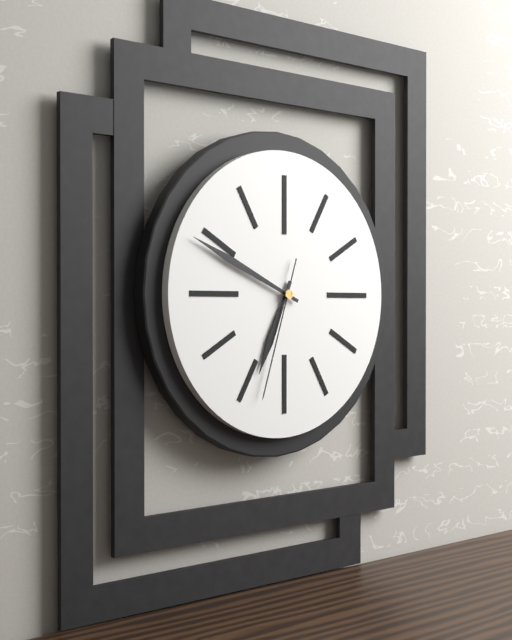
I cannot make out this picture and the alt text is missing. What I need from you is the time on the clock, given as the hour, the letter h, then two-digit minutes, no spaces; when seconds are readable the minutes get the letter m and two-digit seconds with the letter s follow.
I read 6h49m33s
